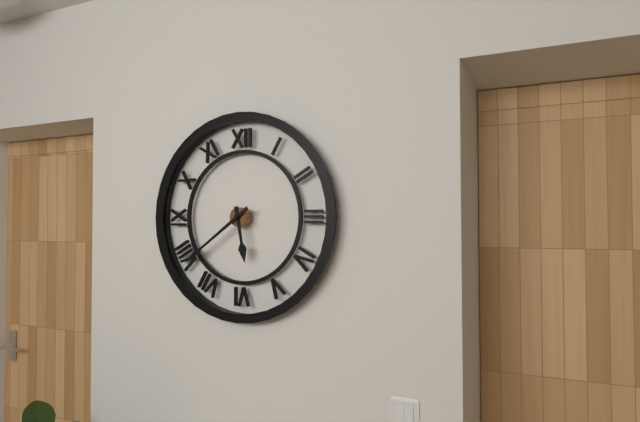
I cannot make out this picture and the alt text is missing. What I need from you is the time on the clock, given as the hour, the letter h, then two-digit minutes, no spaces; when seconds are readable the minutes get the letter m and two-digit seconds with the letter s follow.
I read 5h39
